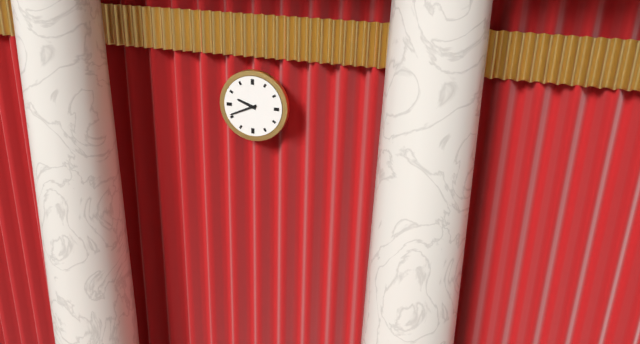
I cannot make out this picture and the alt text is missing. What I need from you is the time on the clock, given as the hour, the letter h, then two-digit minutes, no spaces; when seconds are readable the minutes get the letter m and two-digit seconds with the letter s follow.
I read 9h41
